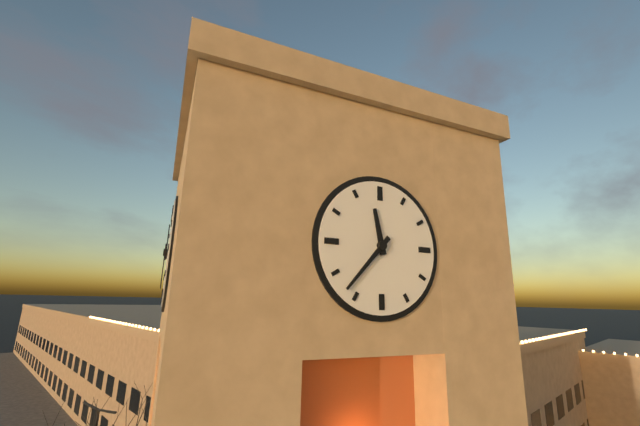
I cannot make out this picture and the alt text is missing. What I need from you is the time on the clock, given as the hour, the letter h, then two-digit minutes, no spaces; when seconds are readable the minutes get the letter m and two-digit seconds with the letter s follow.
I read 11h37
